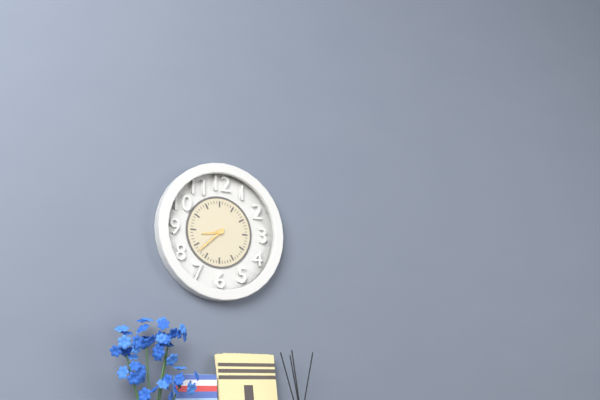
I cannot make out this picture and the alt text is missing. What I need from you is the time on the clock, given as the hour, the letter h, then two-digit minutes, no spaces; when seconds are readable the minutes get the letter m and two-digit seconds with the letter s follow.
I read 8h38
